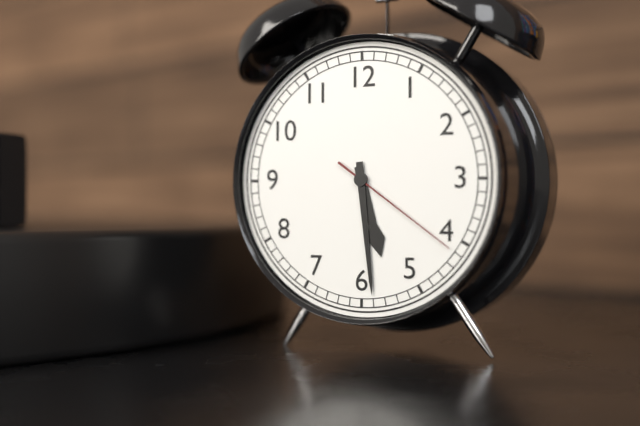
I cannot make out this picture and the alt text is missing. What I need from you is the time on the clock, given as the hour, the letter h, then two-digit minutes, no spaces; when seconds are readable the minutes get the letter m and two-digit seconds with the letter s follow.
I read 5h29m21s
